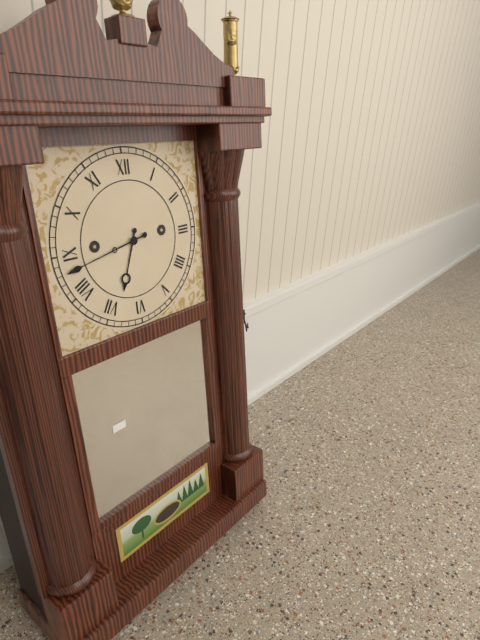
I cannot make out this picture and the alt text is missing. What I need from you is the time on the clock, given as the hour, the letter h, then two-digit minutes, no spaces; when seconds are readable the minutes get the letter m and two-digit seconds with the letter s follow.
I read 6h43
